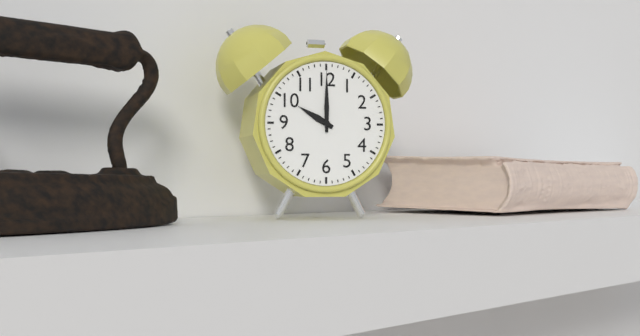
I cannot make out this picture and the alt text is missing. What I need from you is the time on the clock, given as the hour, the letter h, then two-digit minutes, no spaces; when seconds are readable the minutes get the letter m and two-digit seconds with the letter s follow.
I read 10h00
